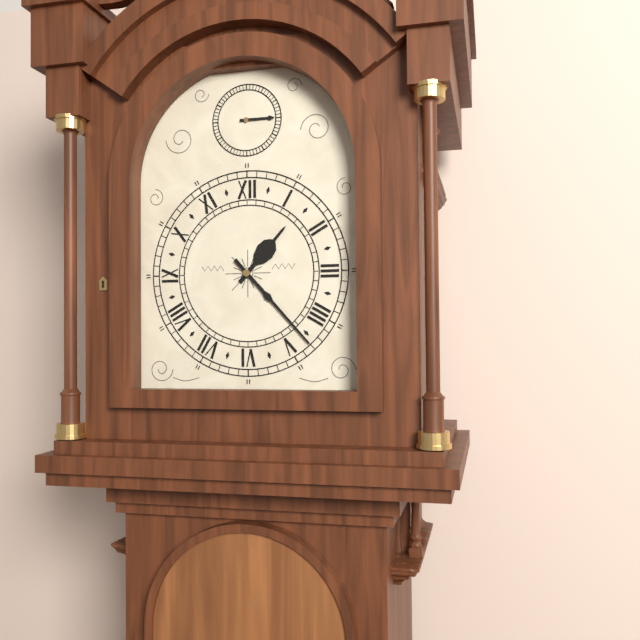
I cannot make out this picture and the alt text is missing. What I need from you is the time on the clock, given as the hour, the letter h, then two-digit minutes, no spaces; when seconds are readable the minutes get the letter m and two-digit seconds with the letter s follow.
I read 1h23
